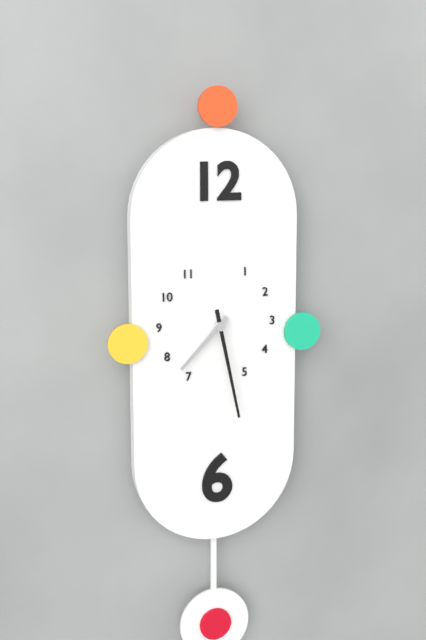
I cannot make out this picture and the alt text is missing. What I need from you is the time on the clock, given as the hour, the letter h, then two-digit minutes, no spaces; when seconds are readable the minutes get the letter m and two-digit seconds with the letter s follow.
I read 7h28
